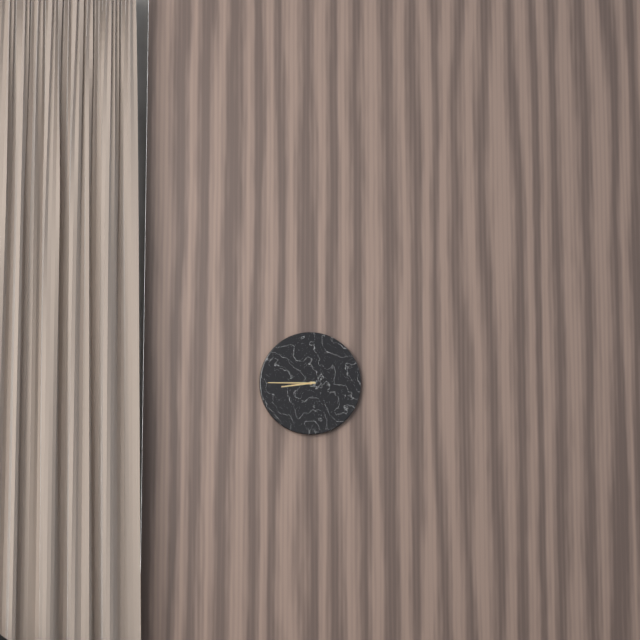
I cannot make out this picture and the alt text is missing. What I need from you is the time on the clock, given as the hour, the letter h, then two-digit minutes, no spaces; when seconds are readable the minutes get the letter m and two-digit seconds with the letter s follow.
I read 8h45
